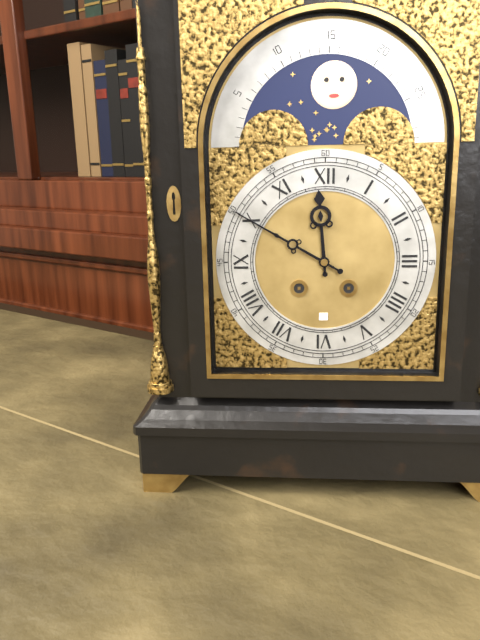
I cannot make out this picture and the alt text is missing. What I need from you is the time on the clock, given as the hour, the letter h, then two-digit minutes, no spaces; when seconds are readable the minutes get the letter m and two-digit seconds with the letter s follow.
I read 11h50
